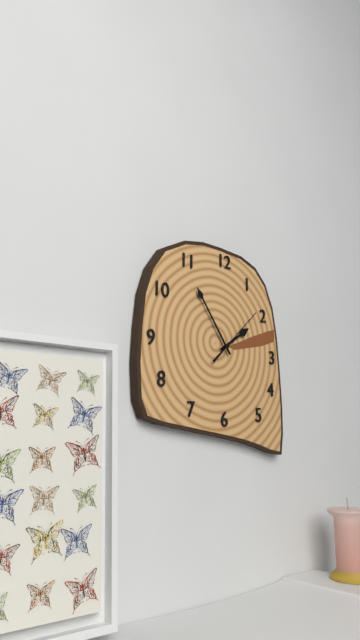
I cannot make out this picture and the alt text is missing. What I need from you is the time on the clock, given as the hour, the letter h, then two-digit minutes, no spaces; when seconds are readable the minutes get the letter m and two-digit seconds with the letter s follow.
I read 1h54m08s
